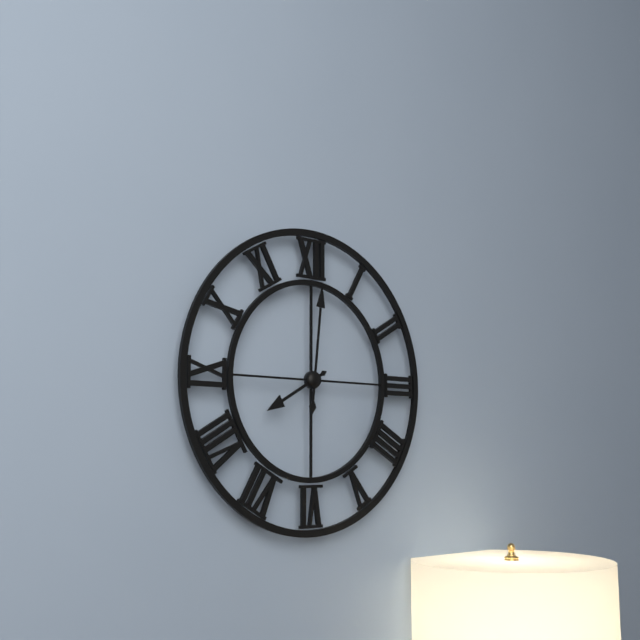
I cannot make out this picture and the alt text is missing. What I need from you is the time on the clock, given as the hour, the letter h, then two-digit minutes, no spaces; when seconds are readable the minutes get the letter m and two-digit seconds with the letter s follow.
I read 8h01
